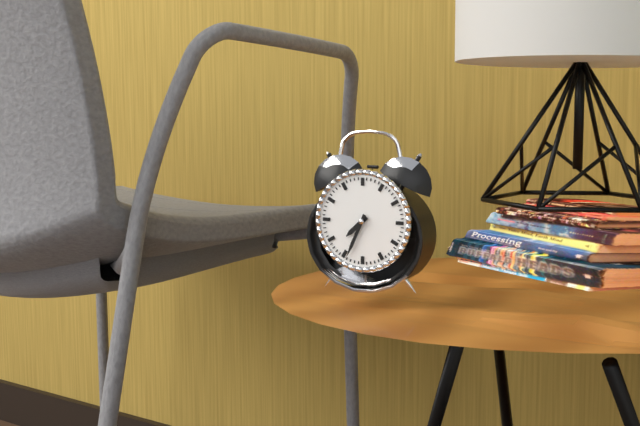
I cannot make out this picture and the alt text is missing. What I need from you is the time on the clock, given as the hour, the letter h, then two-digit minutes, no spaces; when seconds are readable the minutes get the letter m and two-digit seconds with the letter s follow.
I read 7h34
